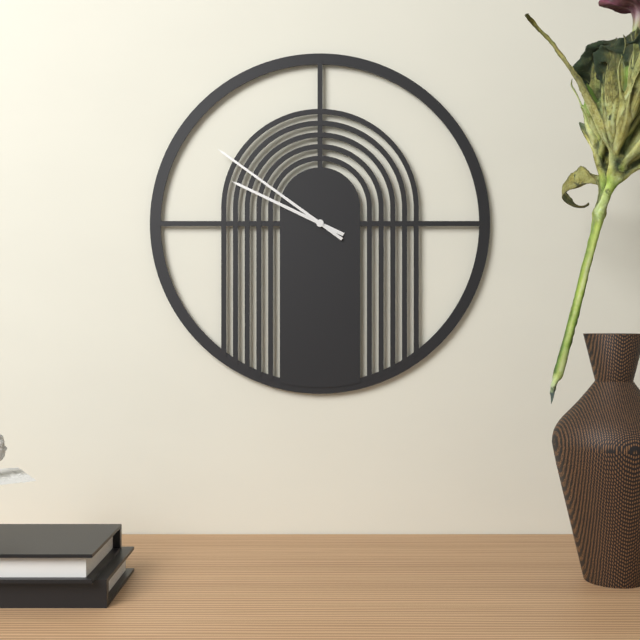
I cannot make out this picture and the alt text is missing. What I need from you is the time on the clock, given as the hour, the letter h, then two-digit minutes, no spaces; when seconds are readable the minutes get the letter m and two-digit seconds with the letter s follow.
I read 9h51
